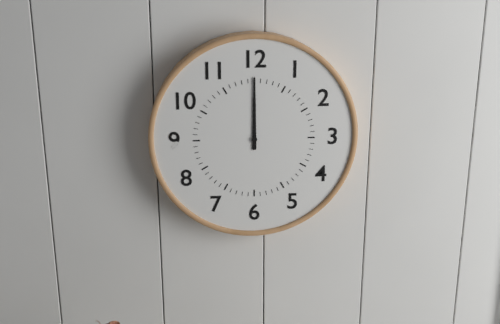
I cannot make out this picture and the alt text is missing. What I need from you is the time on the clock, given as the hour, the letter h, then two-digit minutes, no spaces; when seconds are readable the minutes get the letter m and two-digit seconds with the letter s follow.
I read 12h00
